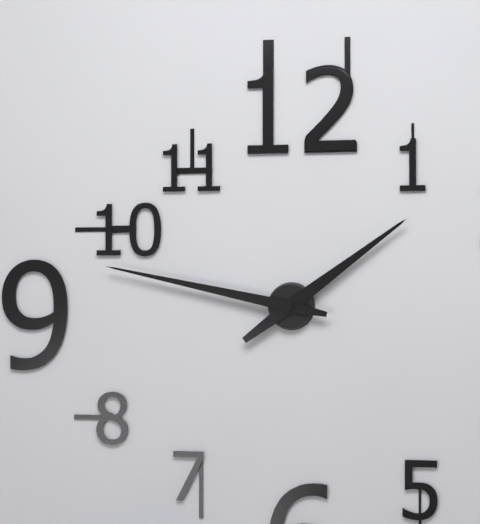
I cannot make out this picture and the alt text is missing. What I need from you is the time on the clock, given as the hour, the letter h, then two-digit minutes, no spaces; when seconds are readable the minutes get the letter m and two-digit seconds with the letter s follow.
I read 1h47
